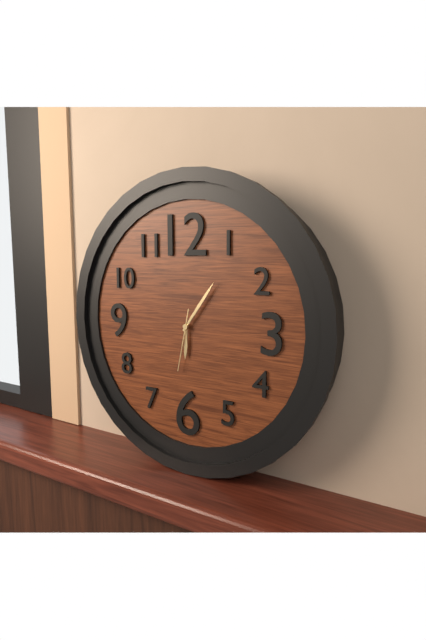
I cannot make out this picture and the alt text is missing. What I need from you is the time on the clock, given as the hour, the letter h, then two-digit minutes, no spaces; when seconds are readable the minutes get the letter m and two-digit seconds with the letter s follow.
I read 6h06m32s
